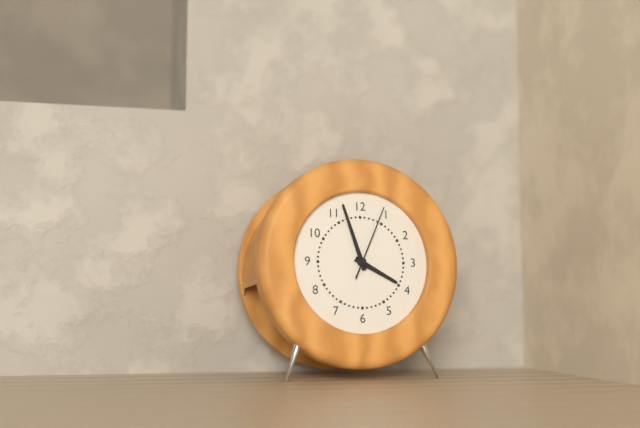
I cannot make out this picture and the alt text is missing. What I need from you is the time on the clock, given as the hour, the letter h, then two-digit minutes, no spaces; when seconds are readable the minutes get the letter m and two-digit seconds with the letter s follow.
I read 3h57m04s
